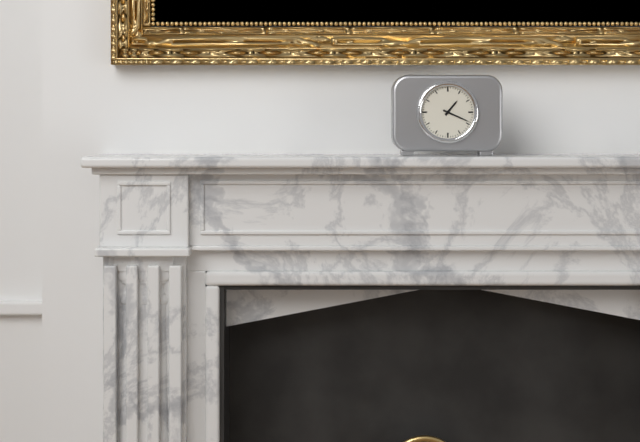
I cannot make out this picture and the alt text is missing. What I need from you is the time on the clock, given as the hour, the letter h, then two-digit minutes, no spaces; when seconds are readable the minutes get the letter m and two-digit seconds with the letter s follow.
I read 1h19
